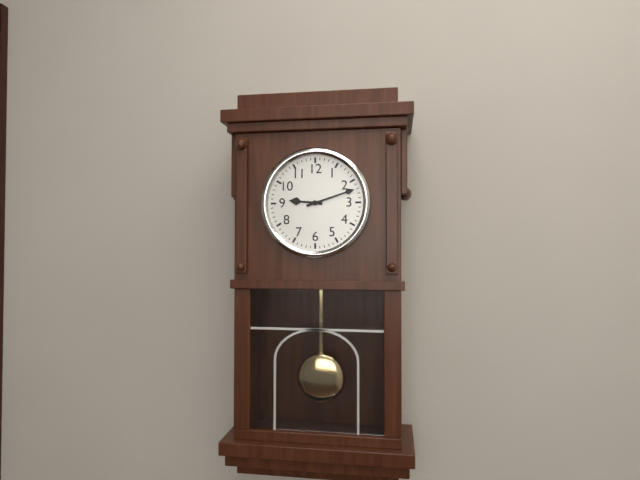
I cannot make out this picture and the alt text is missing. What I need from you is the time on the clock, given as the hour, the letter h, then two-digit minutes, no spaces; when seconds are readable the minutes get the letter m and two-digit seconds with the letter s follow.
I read 9h12
